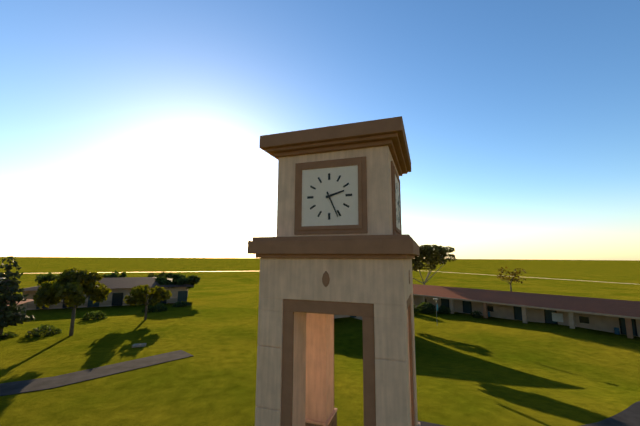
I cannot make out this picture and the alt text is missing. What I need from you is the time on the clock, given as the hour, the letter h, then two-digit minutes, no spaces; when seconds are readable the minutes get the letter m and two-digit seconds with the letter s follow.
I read 2h26
